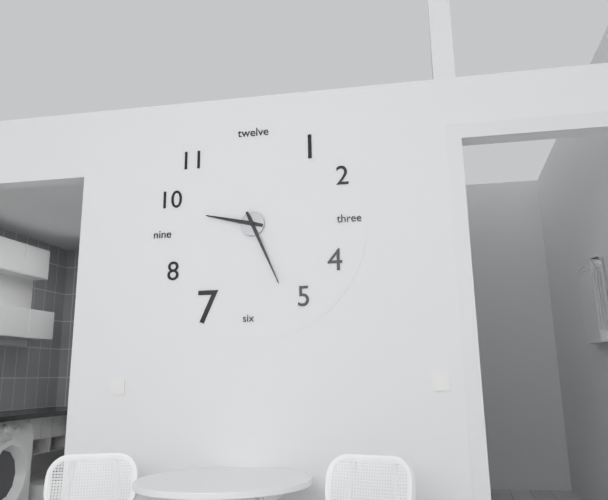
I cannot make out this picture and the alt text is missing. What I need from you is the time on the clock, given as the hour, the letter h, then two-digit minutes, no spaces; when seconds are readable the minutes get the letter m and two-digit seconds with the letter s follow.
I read 9h26
